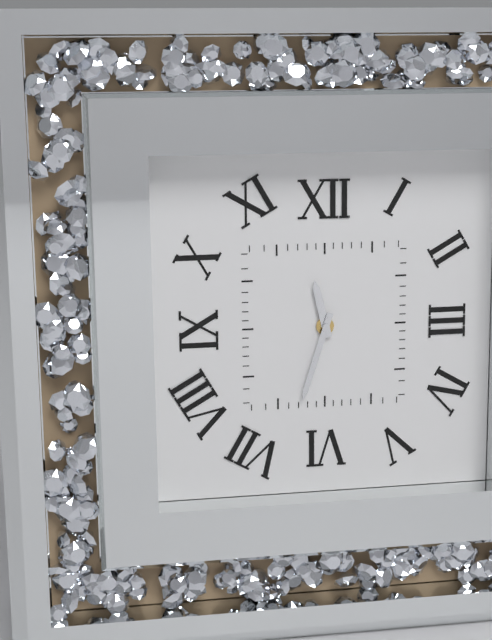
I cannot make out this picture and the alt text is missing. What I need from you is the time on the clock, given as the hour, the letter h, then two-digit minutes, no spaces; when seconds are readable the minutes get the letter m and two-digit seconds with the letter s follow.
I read 11h33
